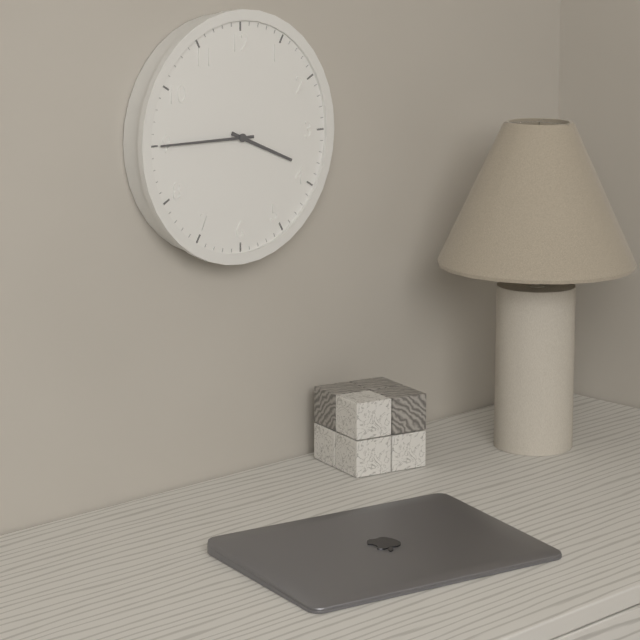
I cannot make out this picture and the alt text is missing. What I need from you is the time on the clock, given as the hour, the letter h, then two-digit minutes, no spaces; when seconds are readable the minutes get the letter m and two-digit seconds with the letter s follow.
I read 3h45
